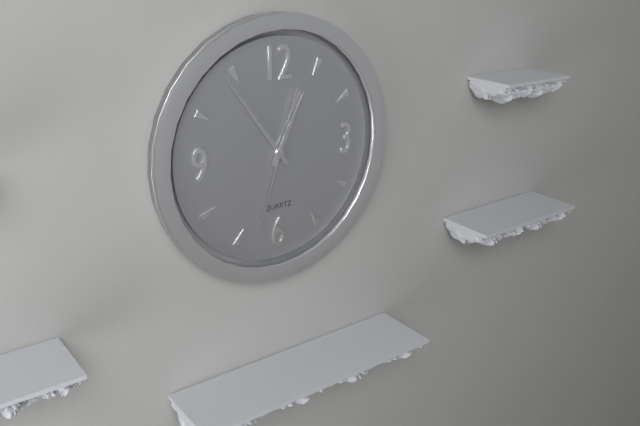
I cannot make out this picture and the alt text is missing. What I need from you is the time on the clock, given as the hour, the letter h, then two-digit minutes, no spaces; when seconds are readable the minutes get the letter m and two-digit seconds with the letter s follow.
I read 12h54m33s
